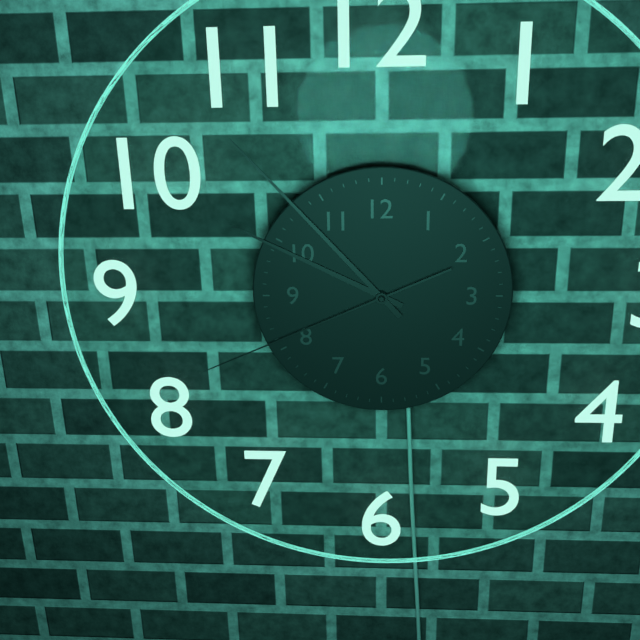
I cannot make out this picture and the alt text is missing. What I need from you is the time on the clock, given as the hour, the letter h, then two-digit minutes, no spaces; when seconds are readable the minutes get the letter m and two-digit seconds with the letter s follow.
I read 9h53m41s
